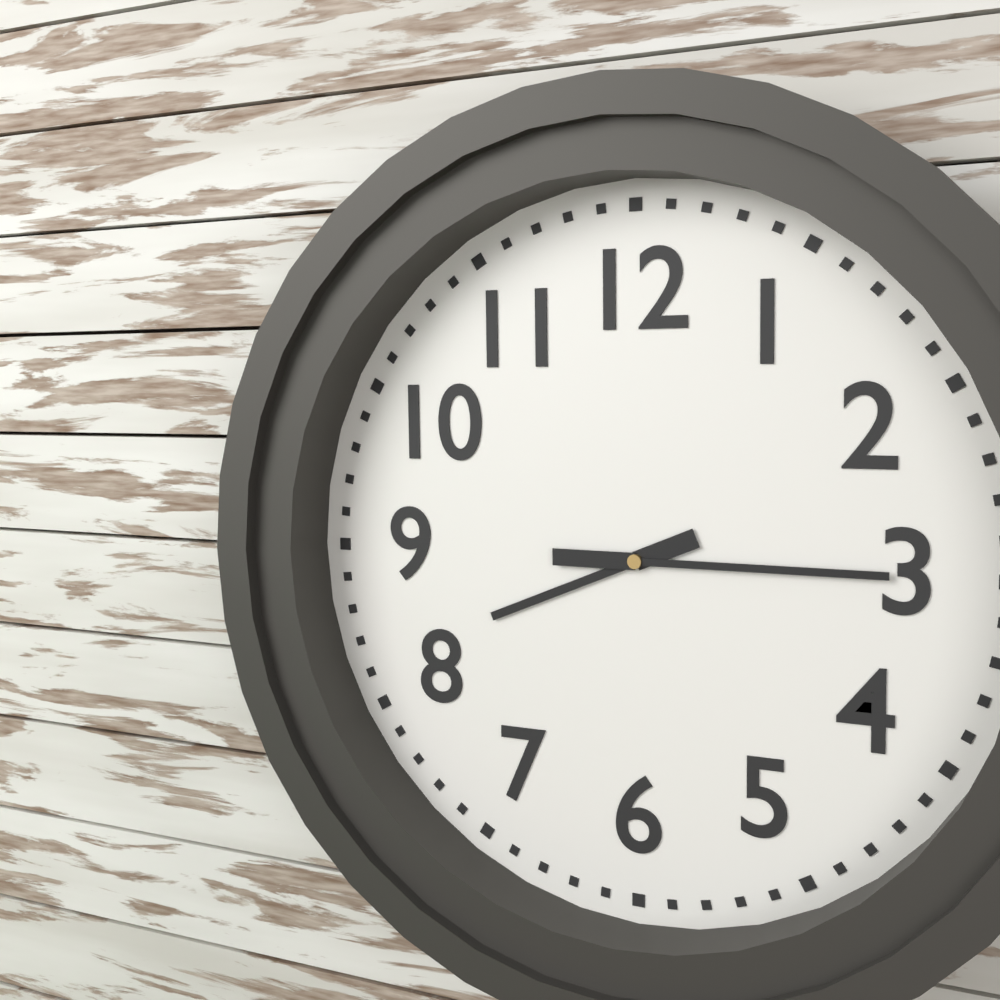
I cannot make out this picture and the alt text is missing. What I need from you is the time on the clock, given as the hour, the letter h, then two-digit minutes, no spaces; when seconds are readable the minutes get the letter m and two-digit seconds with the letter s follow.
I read 8h15
